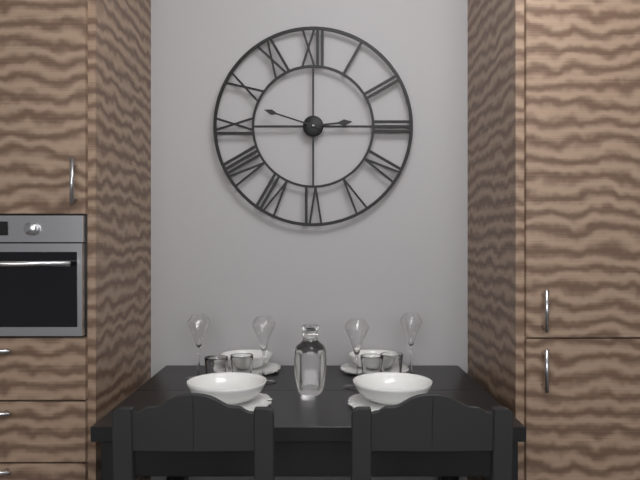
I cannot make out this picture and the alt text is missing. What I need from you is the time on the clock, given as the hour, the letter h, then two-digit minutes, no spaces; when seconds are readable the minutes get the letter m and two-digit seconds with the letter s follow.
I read 2h48
